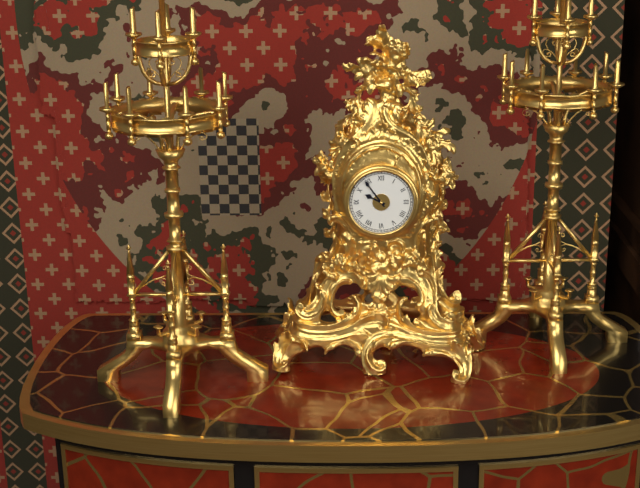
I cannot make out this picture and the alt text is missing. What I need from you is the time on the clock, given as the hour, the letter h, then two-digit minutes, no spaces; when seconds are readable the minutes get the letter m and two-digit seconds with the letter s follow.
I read 9h54
